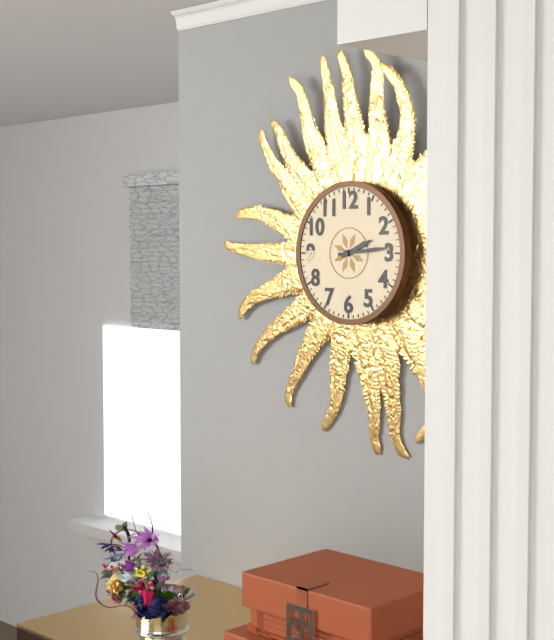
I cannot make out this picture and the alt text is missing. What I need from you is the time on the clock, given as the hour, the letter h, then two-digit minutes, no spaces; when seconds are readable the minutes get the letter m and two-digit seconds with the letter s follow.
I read 2h14
